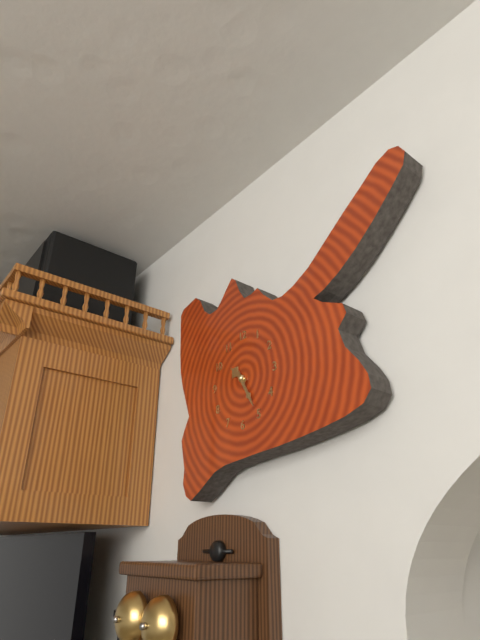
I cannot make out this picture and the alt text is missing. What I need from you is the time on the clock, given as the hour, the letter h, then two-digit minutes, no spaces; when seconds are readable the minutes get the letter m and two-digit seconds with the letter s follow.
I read 10h25
